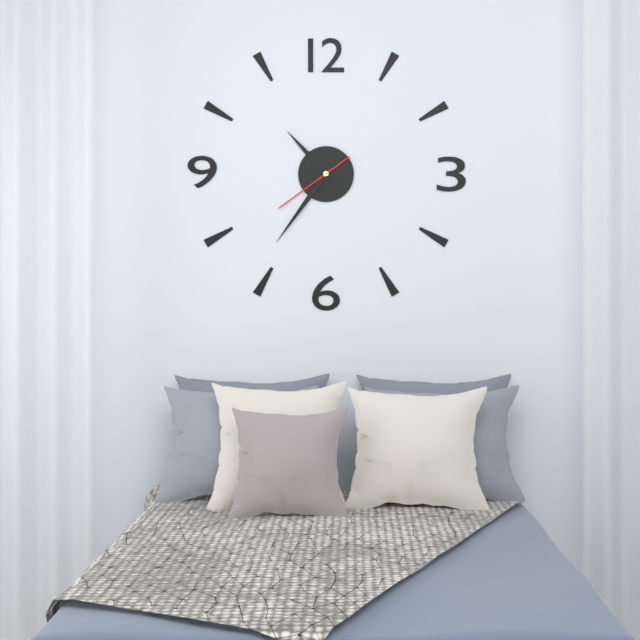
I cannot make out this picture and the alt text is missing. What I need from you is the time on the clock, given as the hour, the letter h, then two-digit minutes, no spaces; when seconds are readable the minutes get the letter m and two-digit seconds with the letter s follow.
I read 10h36m39s
